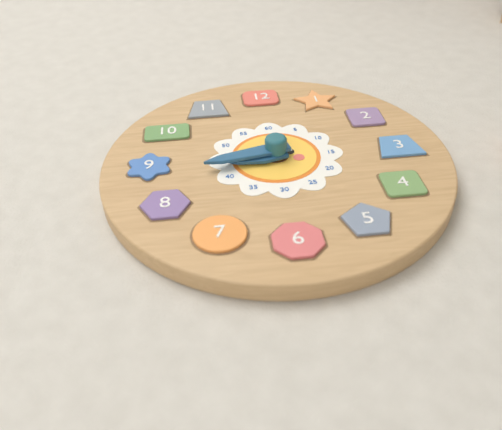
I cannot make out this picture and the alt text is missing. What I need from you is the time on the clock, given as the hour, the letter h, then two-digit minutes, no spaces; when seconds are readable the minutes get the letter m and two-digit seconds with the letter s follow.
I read 8h43
